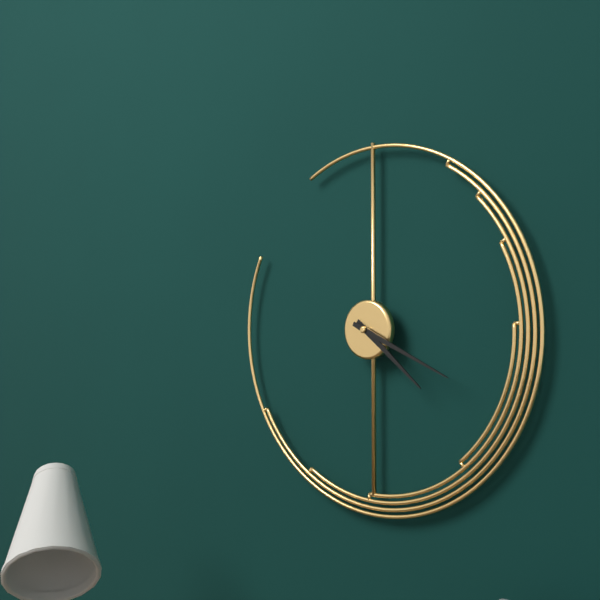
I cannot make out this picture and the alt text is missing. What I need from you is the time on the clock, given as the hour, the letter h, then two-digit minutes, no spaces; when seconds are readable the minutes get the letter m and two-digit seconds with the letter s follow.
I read 4h19
